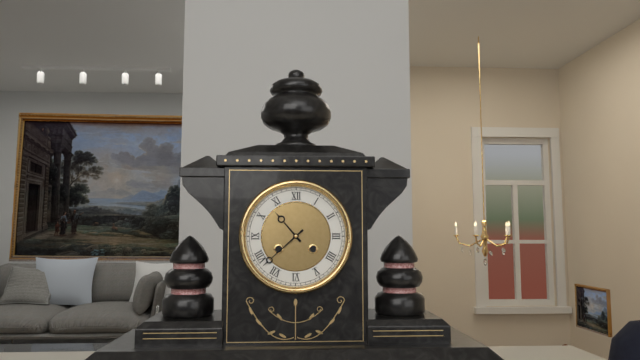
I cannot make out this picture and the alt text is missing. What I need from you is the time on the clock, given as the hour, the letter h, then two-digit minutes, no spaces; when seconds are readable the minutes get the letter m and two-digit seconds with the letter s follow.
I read 10h38
